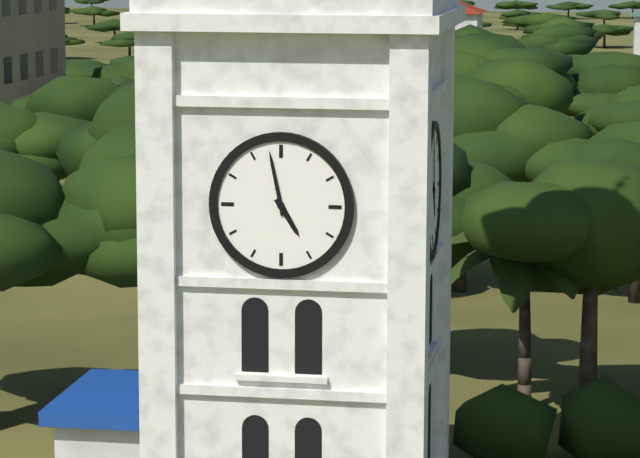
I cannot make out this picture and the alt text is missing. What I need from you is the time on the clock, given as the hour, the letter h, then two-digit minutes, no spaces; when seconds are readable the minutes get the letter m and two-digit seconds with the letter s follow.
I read 4h58
